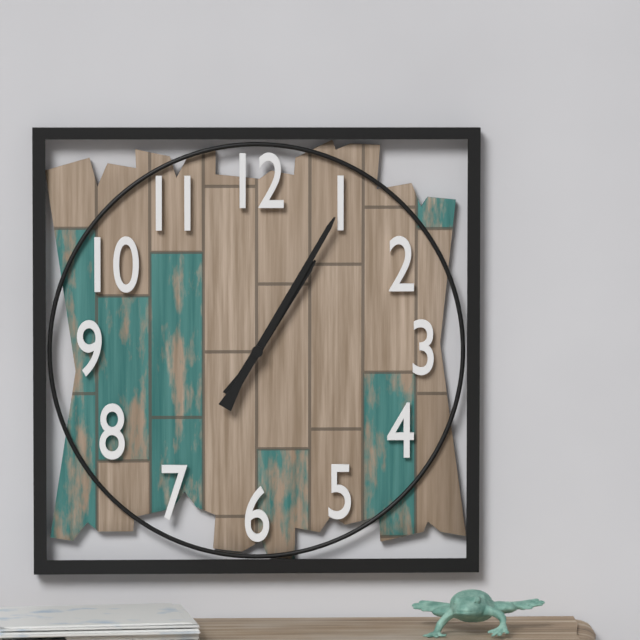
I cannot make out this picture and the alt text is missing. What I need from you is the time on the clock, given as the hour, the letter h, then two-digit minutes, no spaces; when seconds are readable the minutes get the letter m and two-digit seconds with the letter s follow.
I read 1h05
